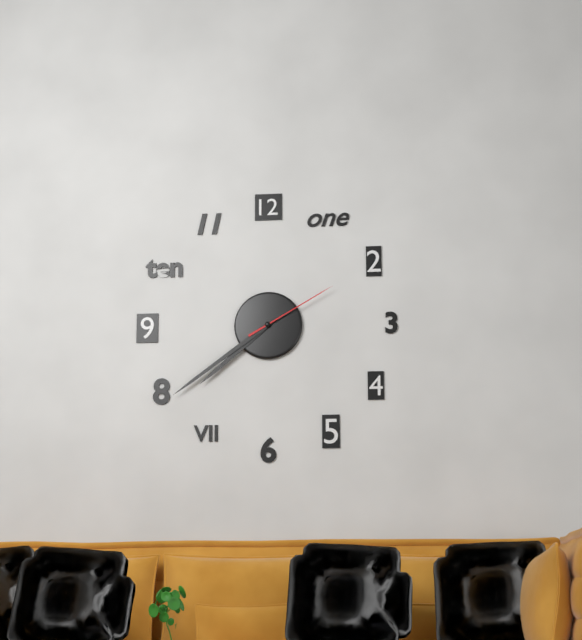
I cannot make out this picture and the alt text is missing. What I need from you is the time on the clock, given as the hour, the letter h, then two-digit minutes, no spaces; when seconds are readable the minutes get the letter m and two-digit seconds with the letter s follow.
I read 7h39m10s
